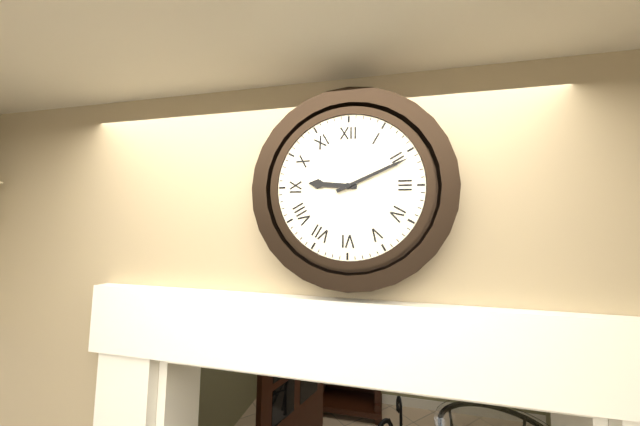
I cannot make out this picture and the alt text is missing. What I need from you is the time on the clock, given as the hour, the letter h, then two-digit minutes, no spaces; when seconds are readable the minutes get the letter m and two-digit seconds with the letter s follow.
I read 9h11
